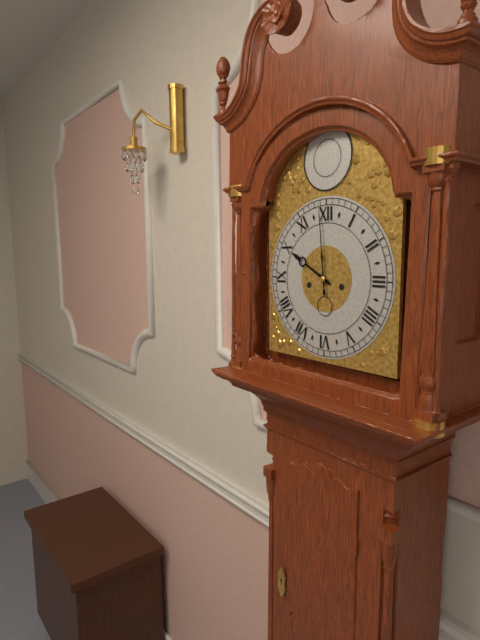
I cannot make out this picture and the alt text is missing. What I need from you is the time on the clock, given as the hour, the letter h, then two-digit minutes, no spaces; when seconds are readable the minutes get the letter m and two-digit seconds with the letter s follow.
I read 9h59
